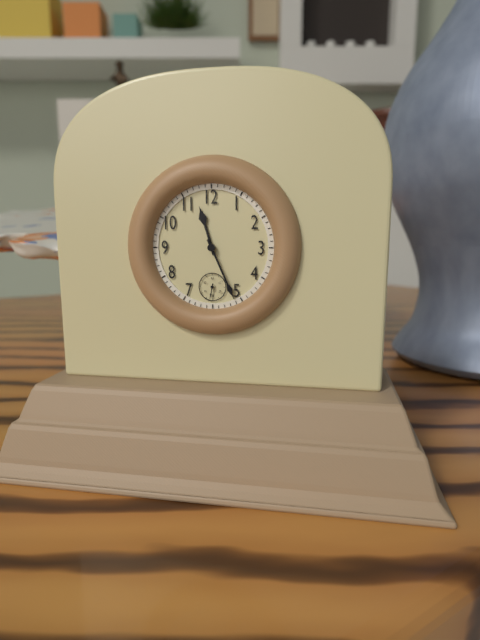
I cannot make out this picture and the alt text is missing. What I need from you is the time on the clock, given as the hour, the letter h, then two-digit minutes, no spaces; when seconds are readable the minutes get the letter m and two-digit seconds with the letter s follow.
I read 11h26
